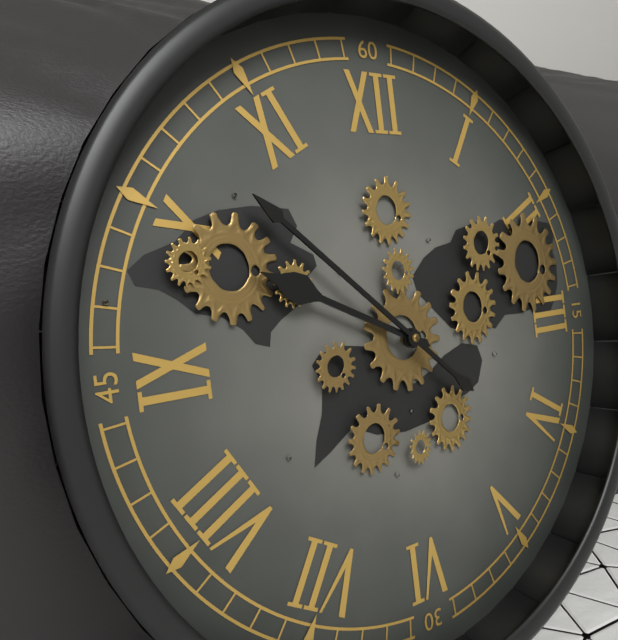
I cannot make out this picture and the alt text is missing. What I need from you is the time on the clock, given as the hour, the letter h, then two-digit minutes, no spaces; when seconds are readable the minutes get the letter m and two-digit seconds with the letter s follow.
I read 9h52
